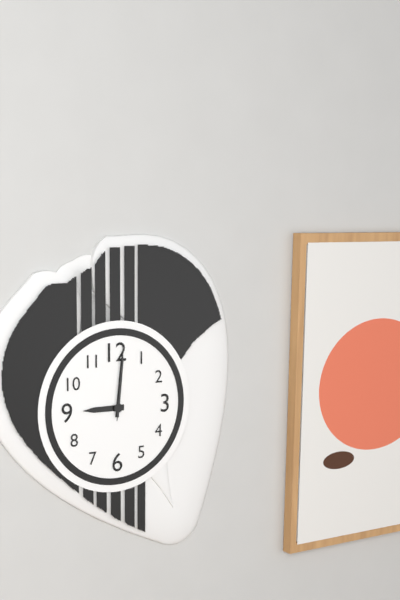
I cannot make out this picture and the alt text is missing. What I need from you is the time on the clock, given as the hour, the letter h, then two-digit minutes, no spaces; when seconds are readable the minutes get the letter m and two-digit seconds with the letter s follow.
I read 9h01m01s
